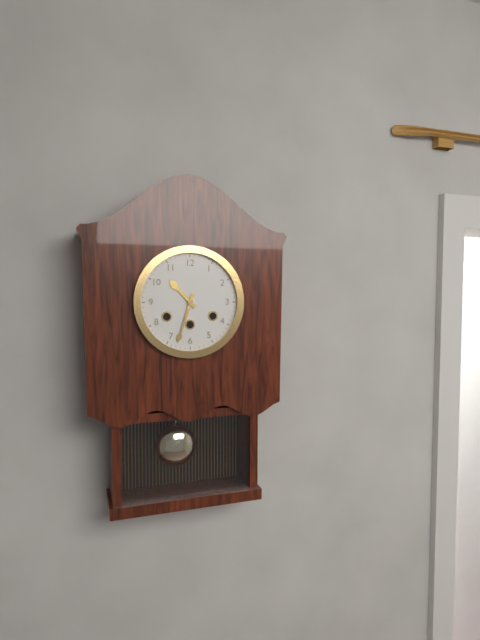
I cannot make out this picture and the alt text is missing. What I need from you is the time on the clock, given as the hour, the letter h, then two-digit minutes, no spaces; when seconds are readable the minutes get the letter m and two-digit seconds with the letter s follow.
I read 10h33
